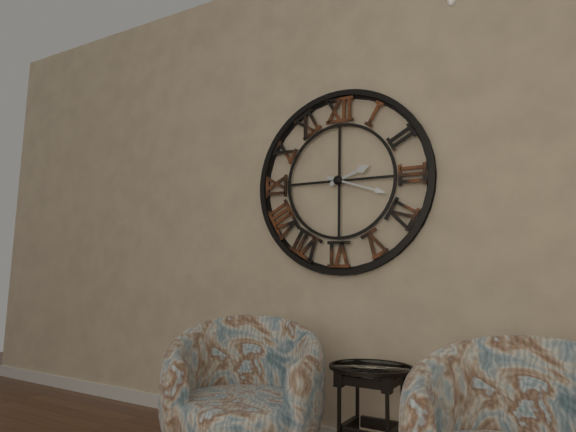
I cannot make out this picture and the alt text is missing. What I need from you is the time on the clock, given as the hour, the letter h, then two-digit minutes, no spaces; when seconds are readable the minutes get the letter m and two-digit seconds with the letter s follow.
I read 2h18
